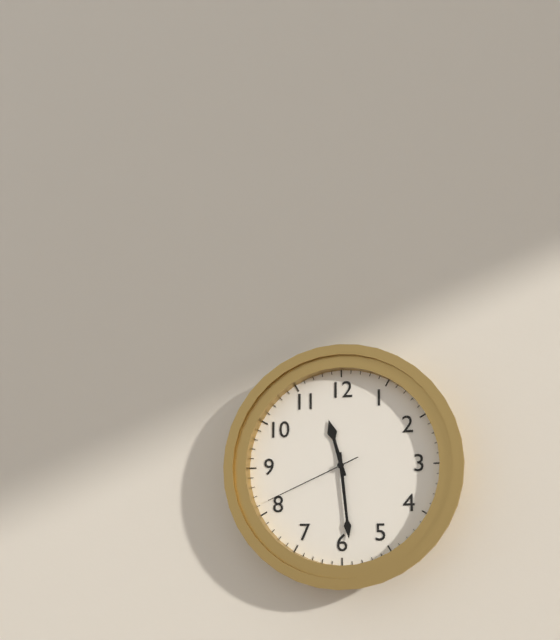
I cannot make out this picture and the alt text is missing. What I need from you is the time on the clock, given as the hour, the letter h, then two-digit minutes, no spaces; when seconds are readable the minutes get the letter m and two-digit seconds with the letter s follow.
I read 11h29m41s
